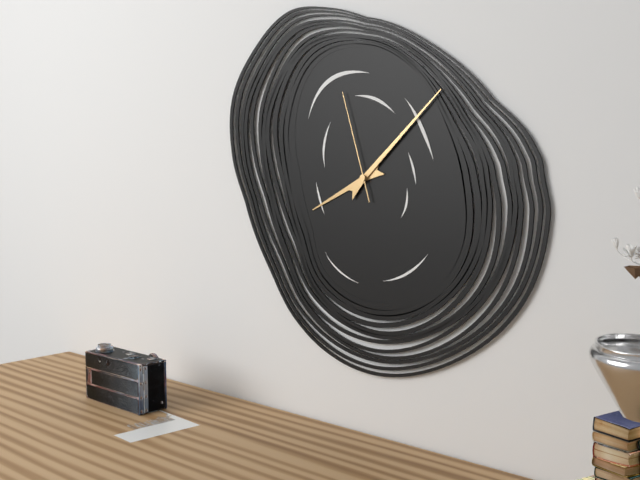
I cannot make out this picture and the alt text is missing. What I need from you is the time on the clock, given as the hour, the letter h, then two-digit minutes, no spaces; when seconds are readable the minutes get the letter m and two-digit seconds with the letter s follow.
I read 8h08m57s
